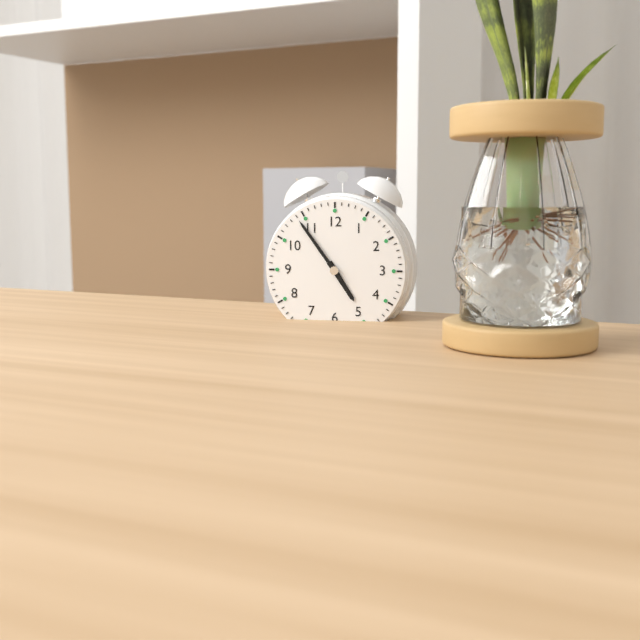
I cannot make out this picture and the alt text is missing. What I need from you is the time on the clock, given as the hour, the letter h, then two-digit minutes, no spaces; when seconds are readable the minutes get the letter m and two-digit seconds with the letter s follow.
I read 4h54
